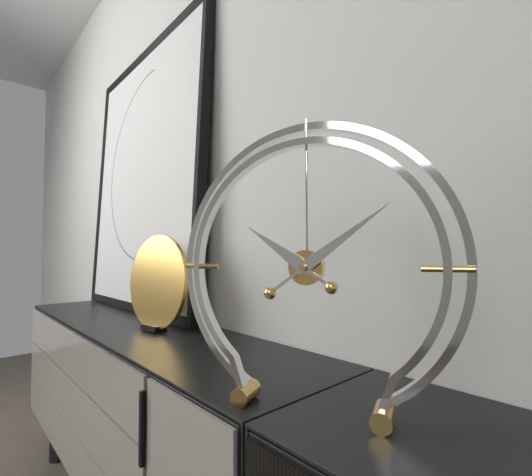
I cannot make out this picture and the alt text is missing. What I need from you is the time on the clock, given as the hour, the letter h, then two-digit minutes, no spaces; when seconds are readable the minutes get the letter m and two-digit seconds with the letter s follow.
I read 10h09
